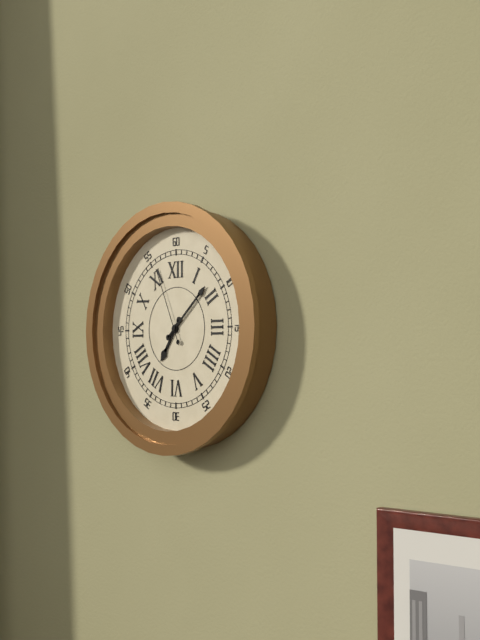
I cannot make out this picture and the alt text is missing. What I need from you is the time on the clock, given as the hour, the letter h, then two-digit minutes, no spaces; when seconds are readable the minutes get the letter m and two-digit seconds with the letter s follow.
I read 7h08m56s
